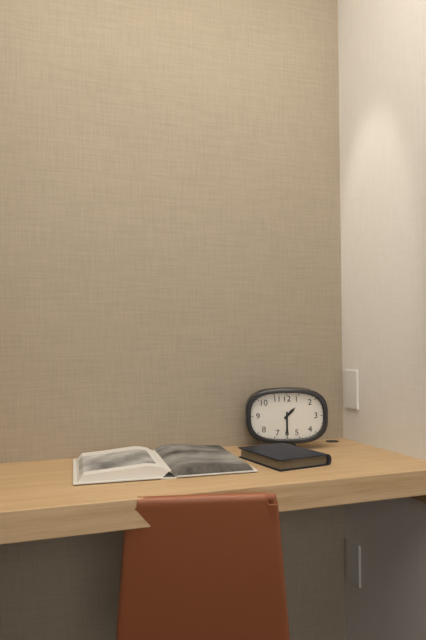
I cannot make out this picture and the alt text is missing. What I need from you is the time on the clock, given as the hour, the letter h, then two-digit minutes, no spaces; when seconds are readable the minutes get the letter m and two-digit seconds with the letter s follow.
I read 1h30
